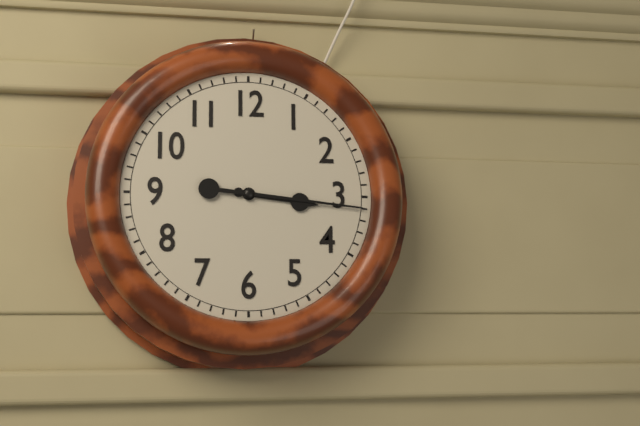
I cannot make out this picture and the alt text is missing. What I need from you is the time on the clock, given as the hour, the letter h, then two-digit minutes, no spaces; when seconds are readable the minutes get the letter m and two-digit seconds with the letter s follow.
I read 3h16
